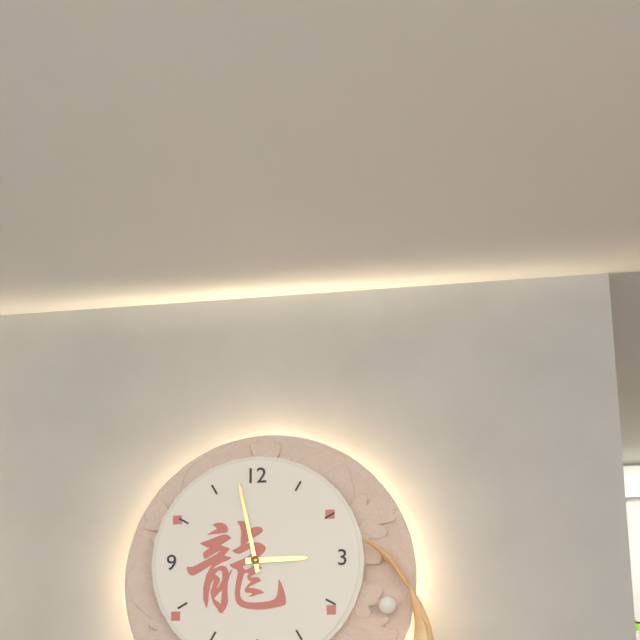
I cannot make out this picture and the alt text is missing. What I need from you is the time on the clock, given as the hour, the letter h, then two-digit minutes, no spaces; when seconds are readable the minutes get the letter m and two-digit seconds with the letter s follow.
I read 2h58
